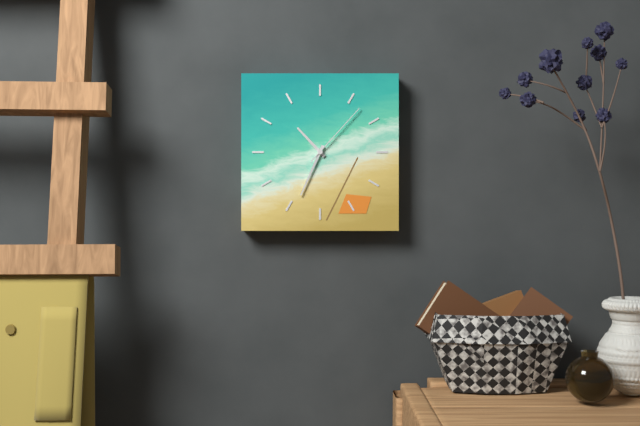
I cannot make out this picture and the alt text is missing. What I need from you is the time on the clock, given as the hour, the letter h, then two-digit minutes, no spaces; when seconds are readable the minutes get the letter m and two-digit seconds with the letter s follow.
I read 10h34m07s
